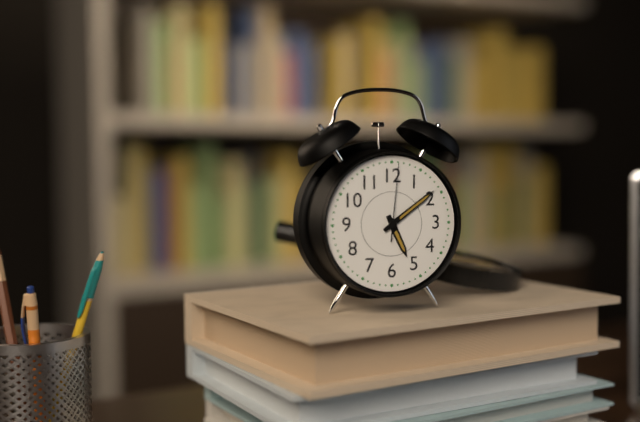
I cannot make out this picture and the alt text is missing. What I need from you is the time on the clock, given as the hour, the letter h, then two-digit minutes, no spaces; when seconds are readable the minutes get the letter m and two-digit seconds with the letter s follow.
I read 5h09m01s
